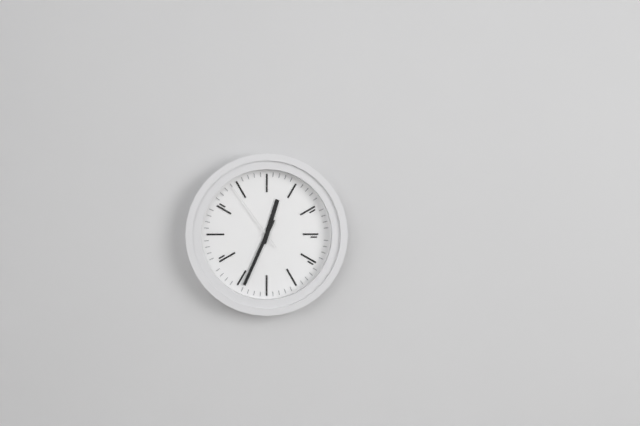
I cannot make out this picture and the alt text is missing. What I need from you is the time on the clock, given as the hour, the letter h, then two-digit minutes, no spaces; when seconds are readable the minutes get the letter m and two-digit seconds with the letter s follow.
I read 12h34m54s
